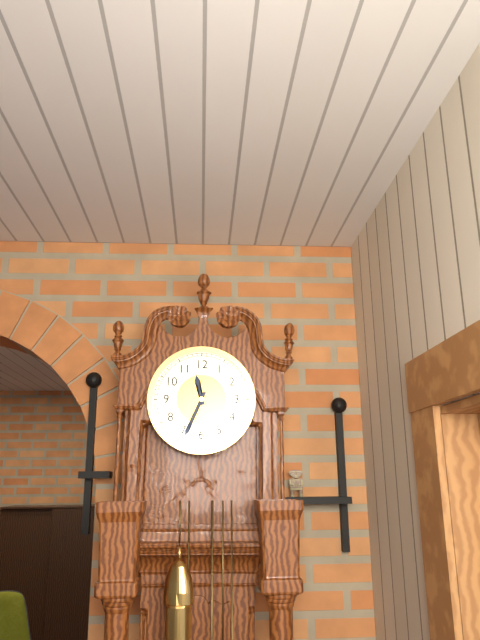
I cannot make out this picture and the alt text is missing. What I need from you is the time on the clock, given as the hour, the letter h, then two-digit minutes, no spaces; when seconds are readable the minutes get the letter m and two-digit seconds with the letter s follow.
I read 11h34
